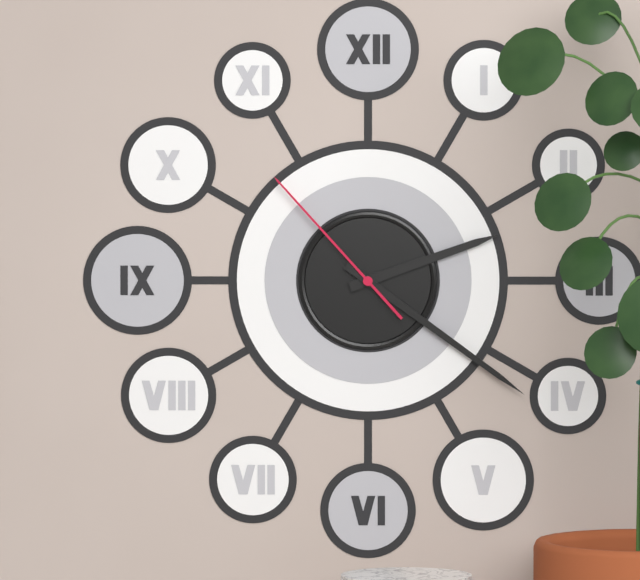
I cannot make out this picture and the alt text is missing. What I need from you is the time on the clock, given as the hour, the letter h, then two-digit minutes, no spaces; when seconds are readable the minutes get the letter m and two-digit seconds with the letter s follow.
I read 2h21m53s
